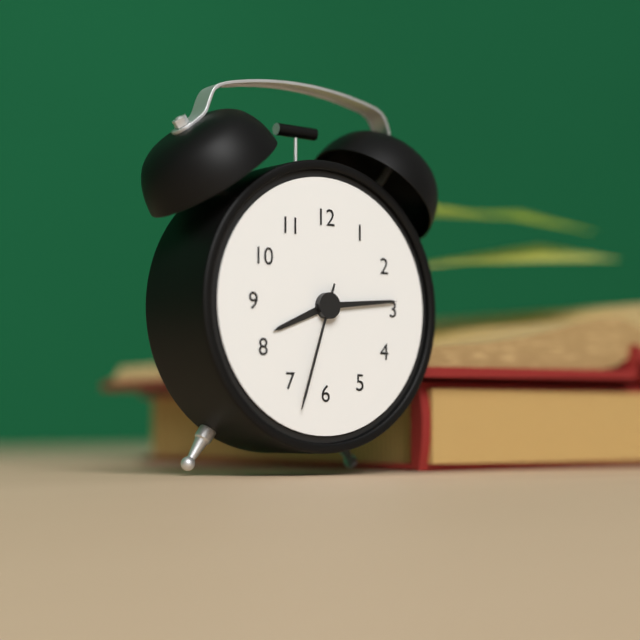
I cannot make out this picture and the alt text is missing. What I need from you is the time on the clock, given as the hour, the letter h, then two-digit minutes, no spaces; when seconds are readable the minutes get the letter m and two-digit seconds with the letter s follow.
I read 8h14m33s
